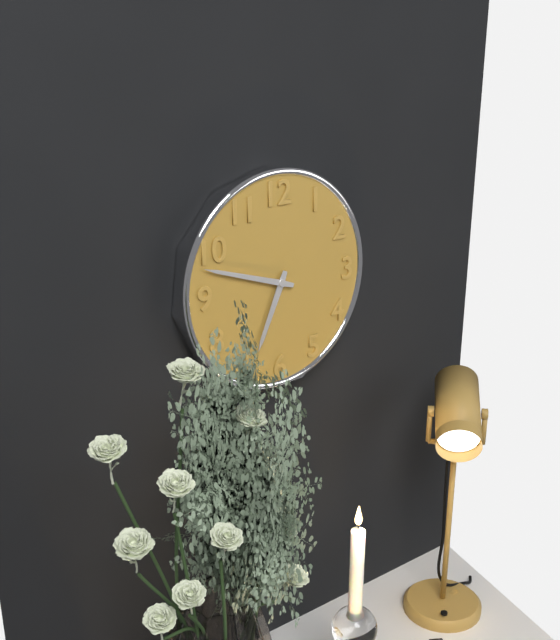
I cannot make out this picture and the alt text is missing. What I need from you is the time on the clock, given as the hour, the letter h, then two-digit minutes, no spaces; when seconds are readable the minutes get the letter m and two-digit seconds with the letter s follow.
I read 6h48
